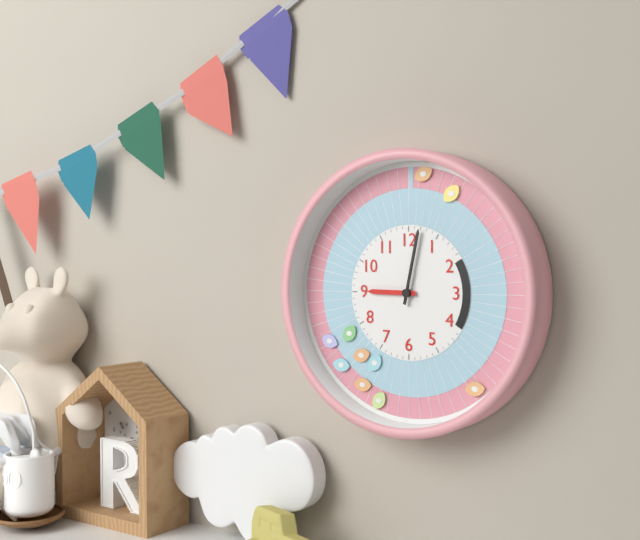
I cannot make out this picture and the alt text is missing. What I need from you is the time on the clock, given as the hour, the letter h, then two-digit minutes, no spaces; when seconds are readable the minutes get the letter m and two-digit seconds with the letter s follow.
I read 9h02
